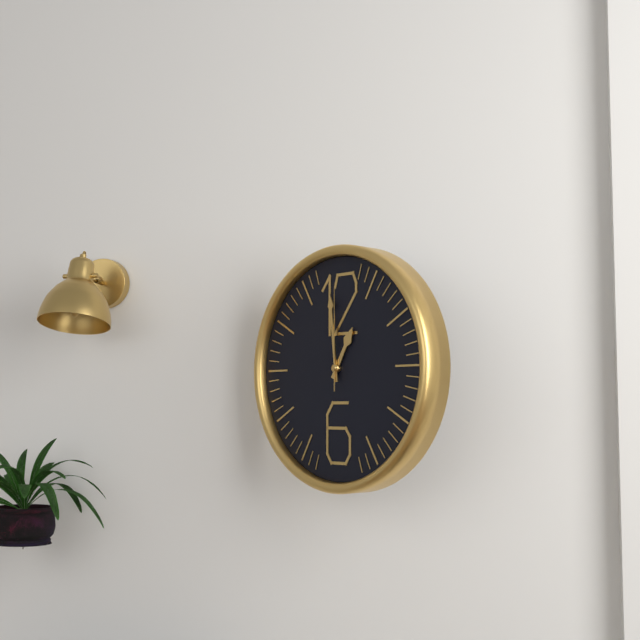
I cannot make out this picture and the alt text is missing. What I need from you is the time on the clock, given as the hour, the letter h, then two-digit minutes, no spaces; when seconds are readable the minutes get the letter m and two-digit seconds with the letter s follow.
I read 12h59m00s
